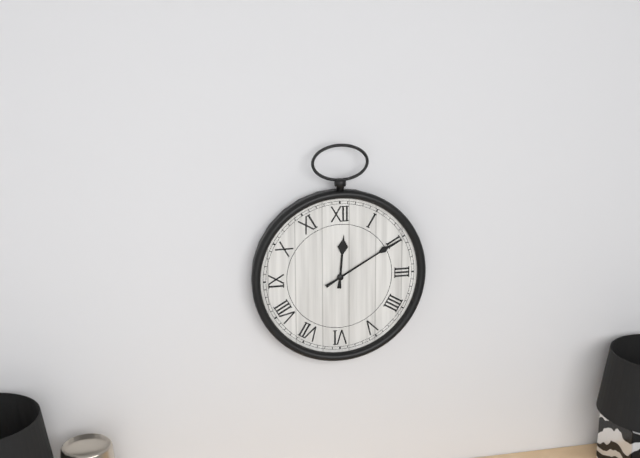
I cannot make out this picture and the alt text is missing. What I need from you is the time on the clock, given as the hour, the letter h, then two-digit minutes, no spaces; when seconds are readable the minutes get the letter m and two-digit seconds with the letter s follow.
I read 12h10
